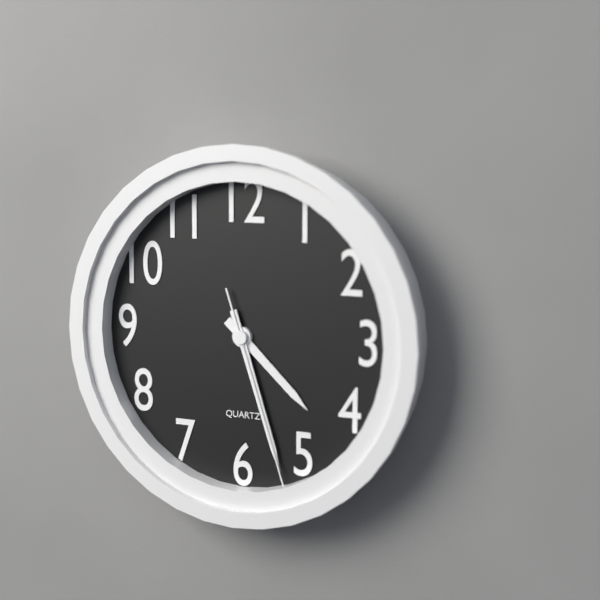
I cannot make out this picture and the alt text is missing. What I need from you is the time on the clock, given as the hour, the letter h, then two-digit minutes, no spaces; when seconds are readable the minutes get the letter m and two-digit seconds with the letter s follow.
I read 4h27m27s
